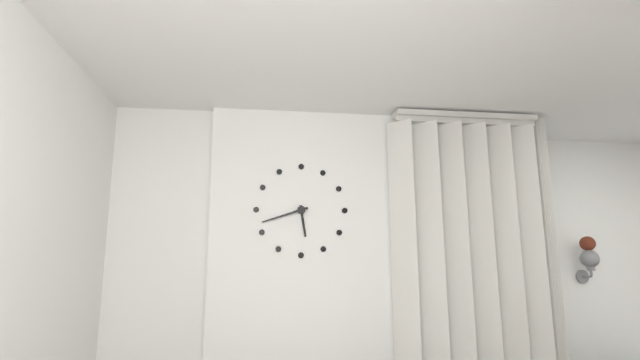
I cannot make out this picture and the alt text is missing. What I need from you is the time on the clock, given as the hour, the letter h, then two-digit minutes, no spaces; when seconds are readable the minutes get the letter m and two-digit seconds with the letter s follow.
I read 5h42
